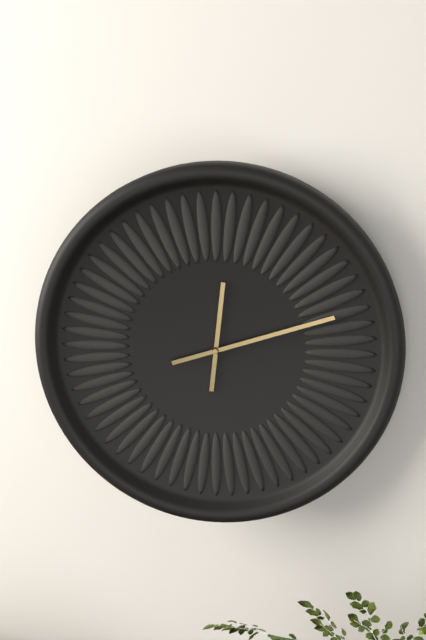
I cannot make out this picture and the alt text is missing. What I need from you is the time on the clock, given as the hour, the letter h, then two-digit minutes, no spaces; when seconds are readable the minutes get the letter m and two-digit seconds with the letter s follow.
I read 12h12
